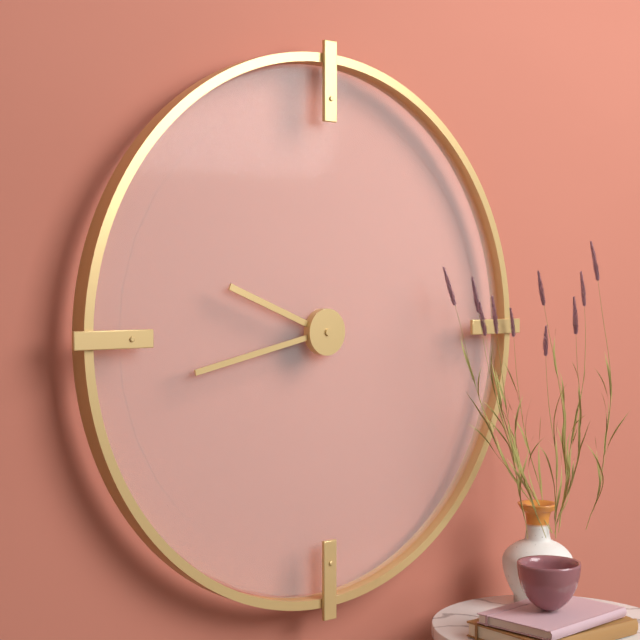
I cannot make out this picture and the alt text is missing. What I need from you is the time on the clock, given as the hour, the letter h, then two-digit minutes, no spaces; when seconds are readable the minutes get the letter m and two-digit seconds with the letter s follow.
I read 9h43
